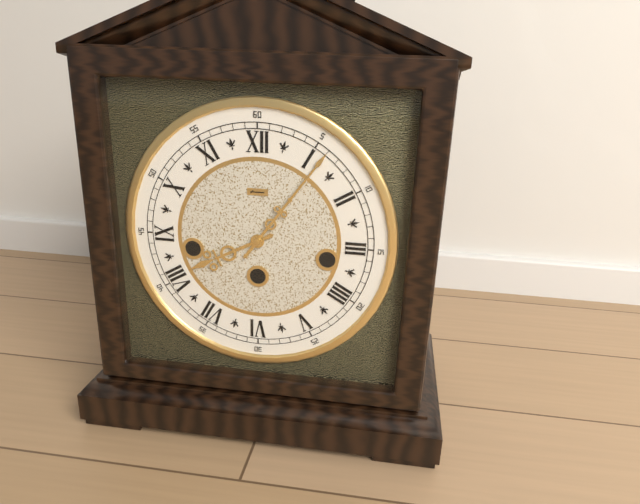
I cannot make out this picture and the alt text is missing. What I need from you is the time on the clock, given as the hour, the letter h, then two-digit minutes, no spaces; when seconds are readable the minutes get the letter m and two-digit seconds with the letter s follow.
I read 8h06
